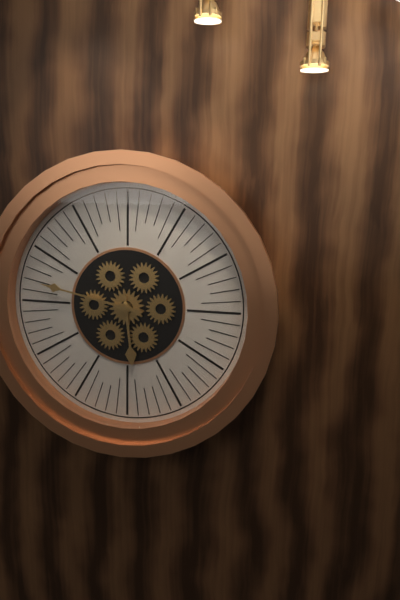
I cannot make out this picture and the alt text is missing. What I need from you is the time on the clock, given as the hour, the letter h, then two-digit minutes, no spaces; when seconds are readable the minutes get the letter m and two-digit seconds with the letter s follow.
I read 5h47
